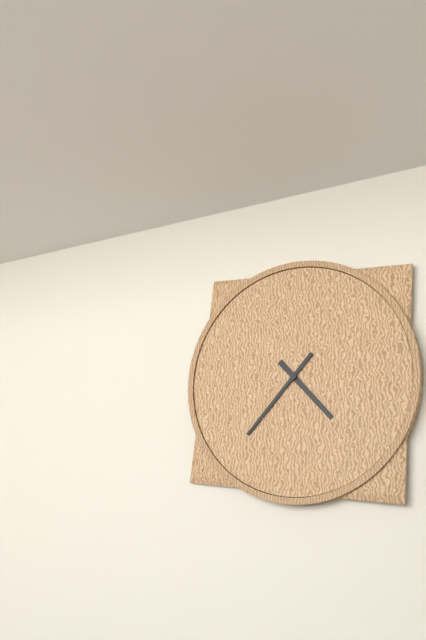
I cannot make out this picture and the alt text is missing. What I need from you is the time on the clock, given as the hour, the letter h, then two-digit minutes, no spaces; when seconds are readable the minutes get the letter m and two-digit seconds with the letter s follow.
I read 4h37
